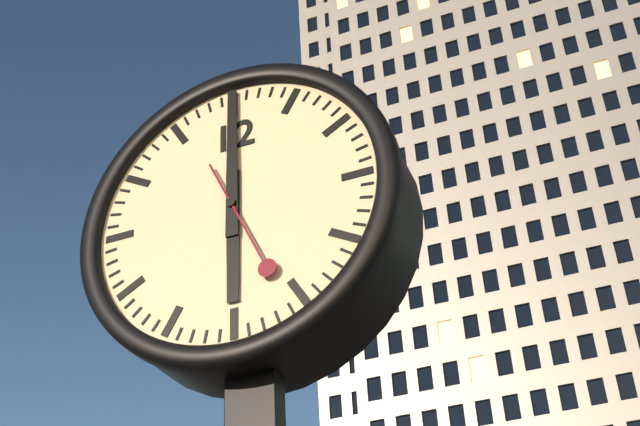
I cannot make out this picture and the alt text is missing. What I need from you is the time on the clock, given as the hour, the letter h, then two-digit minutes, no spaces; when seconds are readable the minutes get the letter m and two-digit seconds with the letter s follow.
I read 6h00m26s
